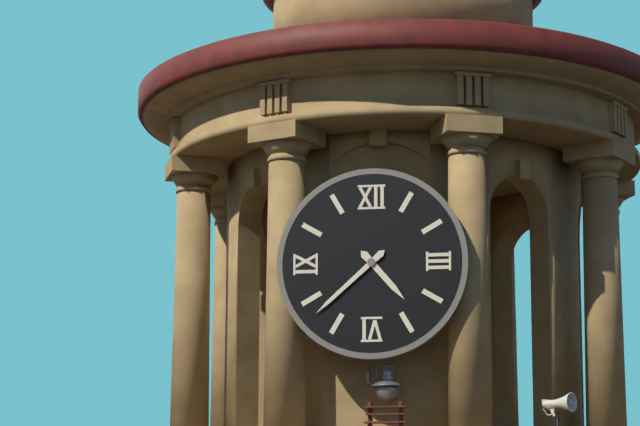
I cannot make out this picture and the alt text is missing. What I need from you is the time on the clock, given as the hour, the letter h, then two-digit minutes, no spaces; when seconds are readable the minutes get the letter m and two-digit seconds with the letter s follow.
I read 4h38
